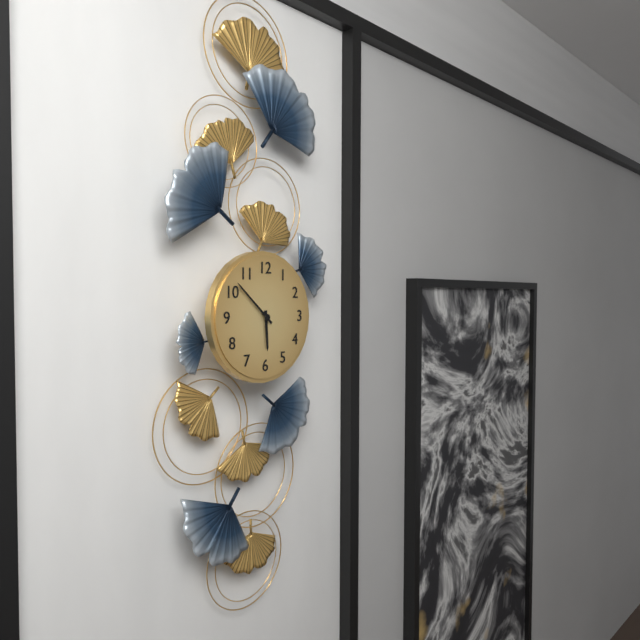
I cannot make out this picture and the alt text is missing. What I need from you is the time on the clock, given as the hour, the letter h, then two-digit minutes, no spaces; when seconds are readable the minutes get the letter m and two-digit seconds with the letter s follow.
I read 5h52
